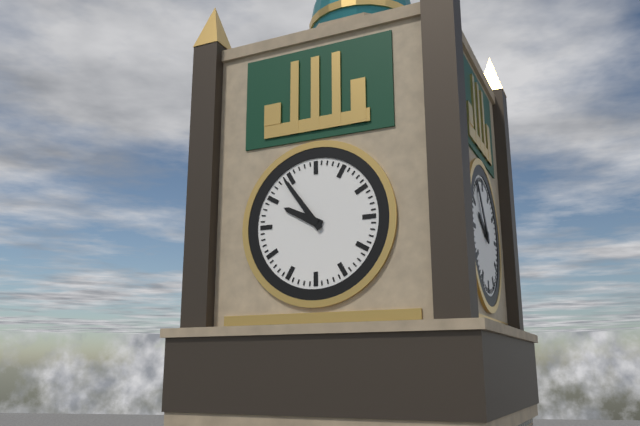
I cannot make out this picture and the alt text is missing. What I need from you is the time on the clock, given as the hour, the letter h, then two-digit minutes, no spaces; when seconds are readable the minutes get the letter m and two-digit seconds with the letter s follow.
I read 9h54
